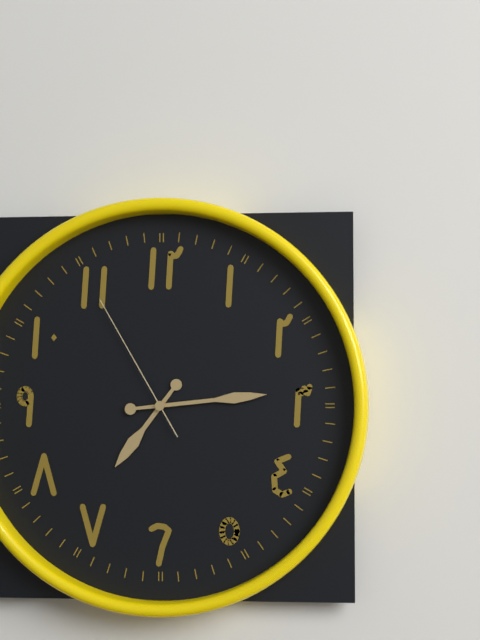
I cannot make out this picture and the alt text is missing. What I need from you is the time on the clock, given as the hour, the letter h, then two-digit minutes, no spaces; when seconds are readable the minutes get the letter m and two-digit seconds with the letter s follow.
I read 7h14m55s
